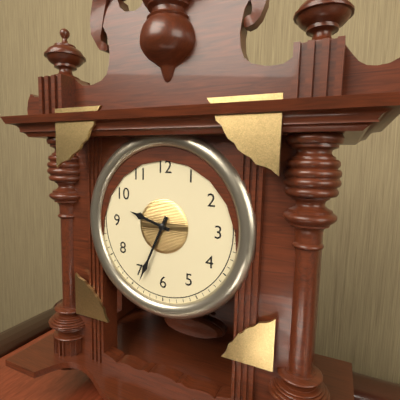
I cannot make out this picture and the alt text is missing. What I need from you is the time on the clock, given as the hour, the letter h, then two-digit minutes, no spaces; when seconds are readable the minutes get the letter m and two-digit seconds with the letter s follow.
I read 9h34
